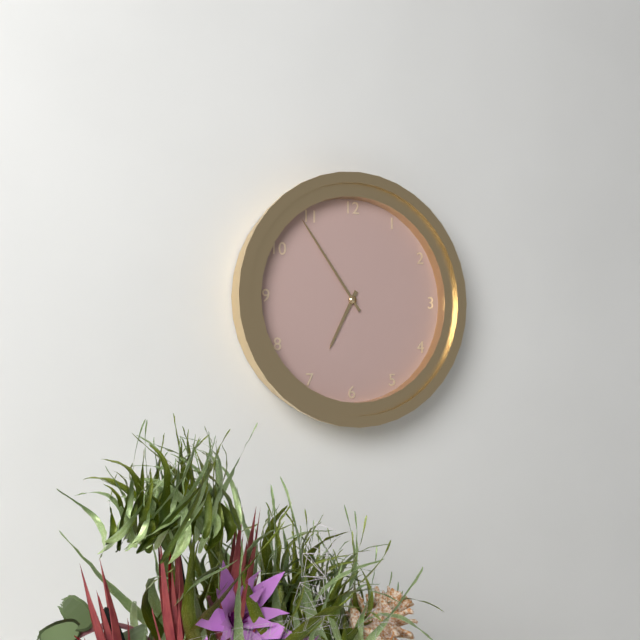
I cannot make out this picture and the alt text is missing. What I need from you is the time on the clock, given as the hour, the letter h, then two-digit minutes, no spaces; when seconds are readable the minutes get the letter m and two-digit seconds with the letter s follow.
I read 6h54
